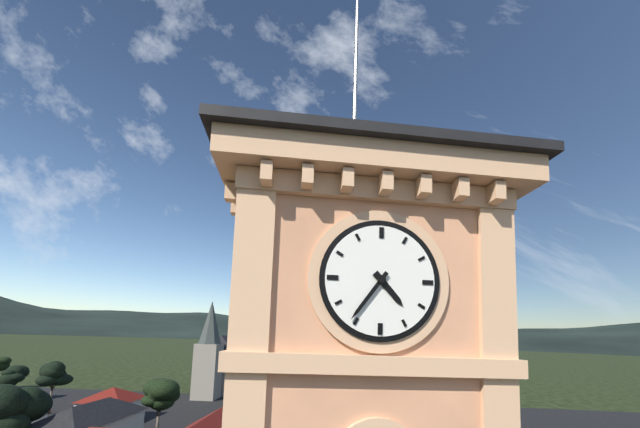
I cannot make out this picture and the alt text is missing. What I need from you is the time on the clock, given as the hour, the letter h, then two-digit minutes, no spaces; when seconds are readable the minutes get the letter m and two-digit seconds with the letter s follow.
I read 4h36
